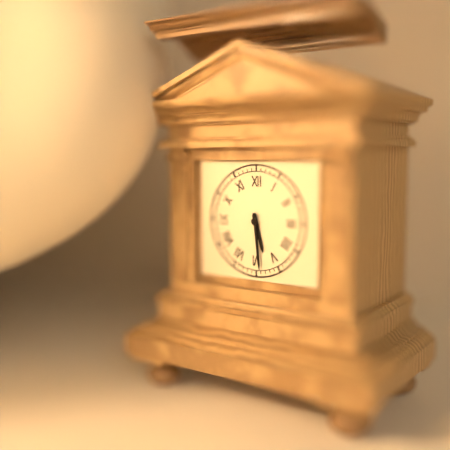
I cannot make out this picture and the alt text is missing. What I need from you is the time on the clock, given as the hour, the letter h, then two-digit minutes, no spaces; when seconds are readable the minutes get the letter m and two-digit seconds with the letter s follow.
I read 5h29
